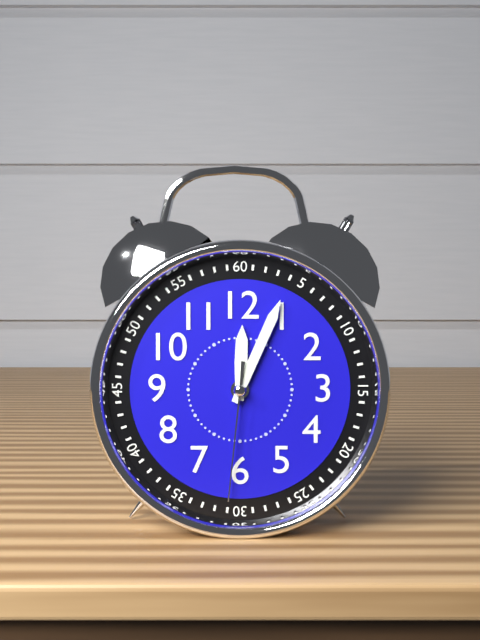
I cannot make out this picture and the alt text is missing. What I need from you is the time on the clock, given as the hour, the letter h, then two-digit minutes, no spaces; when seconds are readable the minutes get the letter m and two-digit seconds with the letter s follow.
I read 12h04m31s
